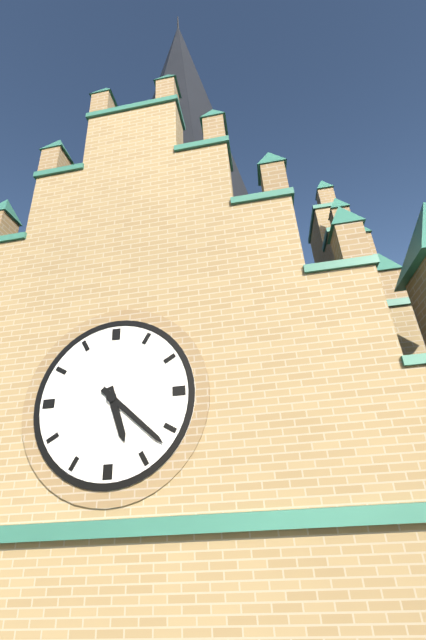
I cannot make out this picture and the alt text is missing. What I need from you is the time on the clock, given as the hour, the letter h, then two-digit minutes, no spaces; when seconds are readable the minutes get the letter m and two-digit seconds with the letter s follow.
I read 5h22
